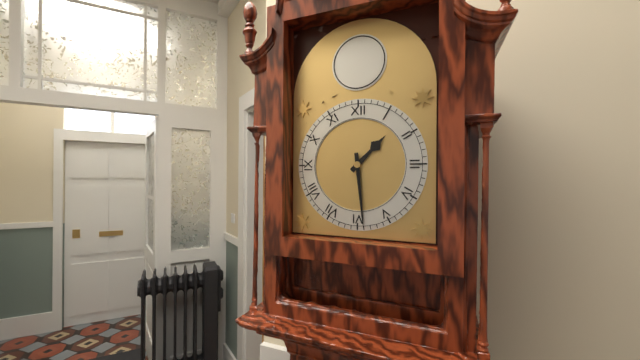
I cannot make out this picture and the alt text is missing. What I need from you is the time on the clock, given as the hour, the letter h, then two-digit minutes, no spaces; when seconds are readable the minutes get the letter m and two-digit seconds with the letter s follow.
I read 1h29
